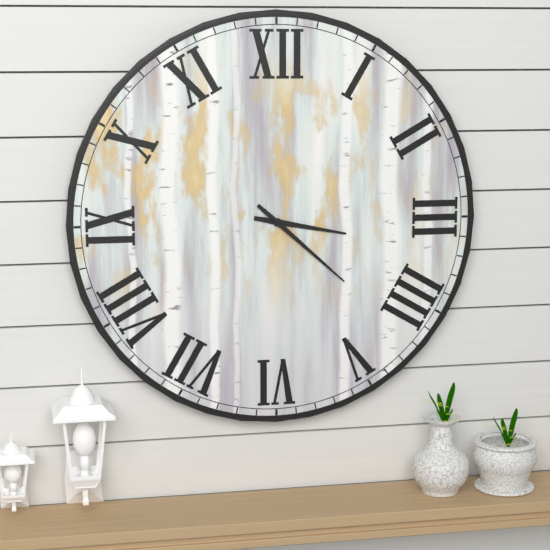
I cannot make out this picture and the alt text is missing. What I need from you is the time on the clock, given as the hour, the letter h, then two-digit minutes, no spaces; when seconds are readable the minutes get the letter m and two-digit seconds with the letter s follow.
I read 3h22
